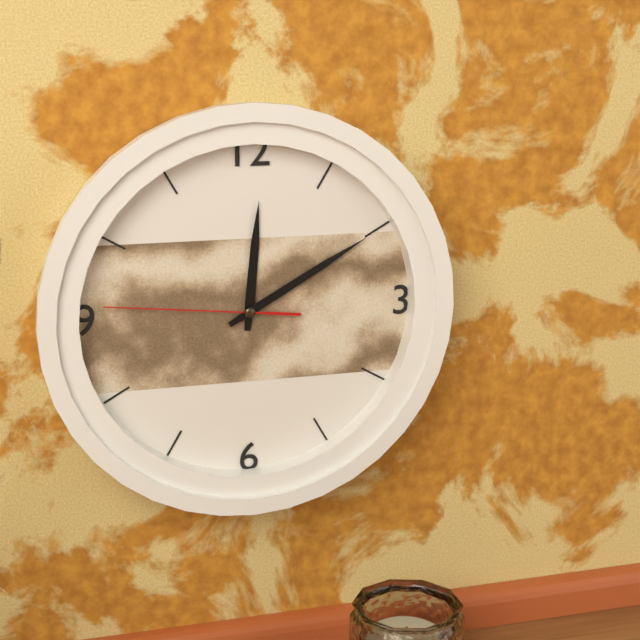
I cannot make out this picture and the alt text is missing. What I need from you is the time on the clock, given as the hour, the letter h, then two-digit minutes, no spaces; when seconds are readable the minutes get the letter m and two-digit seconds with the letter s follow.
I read 12h10m46s
